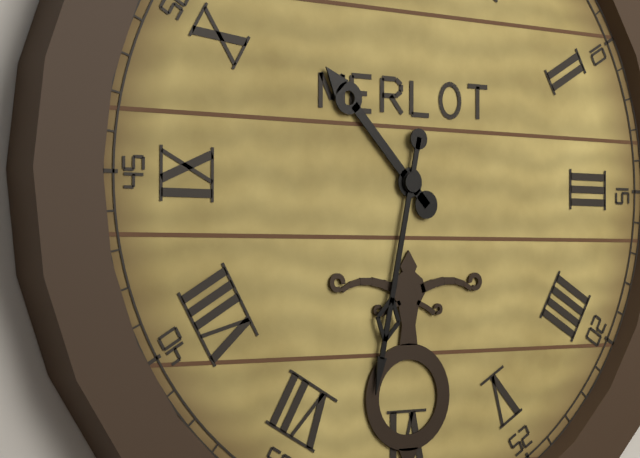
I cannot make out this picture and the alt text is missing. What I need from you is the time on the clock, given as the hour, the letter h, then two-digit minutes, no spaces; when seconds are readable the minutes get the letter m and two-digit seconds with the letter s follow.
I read 10h32
